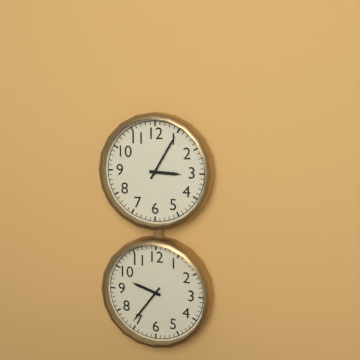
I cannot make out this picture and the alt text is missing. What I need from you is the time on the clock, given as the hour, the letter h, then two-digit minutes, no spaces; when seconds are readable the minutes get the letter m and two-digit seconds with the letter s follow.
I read 3h05
